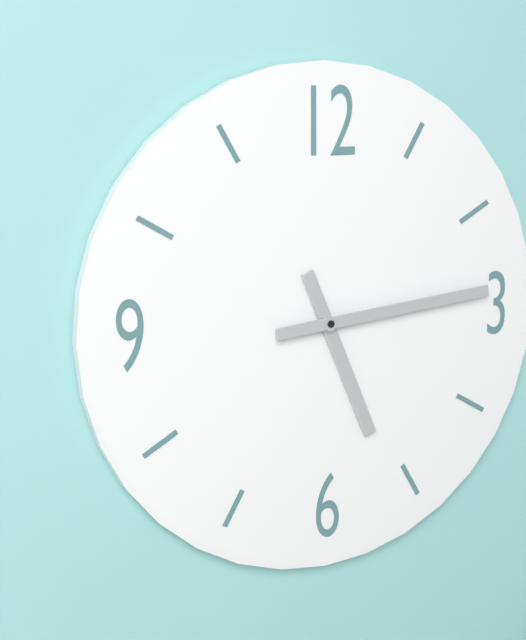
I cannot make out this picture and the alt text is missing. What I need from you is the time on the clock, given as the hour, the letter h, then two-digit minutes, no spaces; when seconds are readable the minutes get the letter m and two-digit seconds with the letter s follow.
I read 5h14
